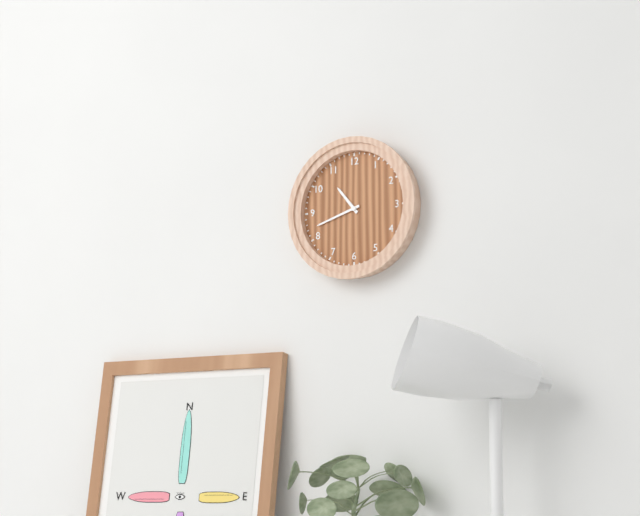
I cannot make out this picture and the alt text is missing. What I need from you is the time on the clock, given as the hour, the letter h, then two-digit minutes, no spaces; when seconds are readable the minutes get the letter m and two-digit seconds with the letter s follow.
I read 10h42
